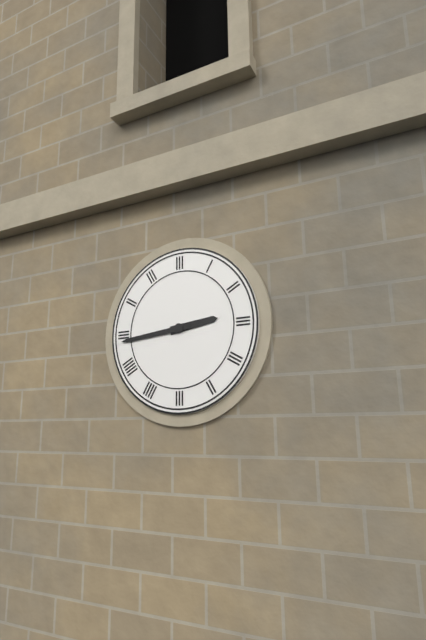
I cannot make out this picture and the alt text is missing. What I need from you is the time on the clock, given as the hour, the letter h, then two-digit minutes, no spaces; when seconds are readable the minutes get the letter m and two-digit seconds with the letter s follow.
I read 2h44
